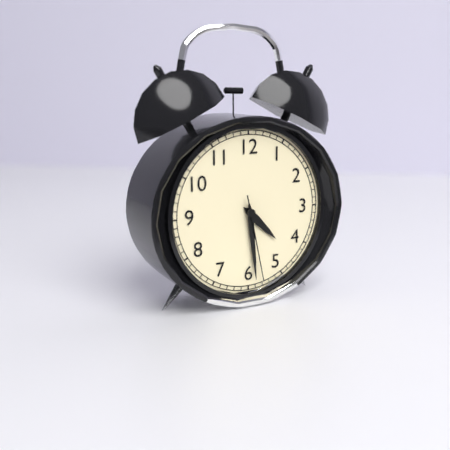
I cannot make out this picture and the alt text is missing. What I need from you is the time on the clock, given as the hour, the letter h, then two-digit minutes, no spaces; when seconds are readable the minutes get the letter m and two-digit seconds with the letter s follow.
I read 4h29m28s
